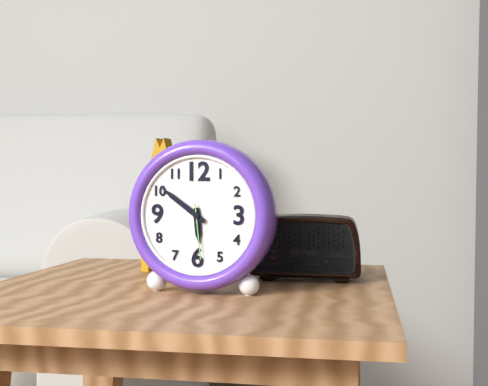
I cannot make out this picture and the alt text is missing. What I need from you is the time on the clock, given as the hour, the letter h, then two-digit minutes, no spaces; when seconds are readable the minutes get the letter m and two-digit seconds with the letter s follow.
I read 5h51m29s
